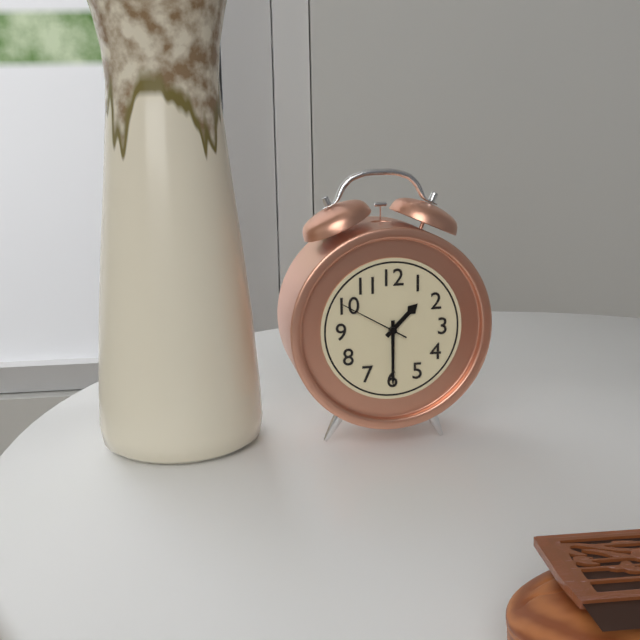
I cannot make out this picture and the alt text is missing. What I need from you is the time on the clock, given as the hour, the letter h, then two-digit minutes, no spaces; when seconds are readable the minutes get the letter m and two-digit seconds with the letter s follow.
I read 1h30m50s
